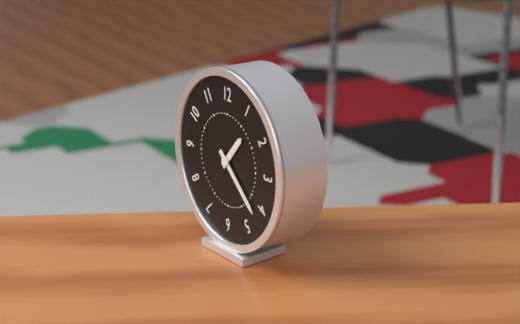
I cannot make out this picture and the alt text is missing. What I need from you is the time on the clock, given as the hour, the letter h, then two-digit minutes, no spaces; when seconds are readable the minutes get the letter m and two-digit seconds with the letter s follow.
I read 1h22
